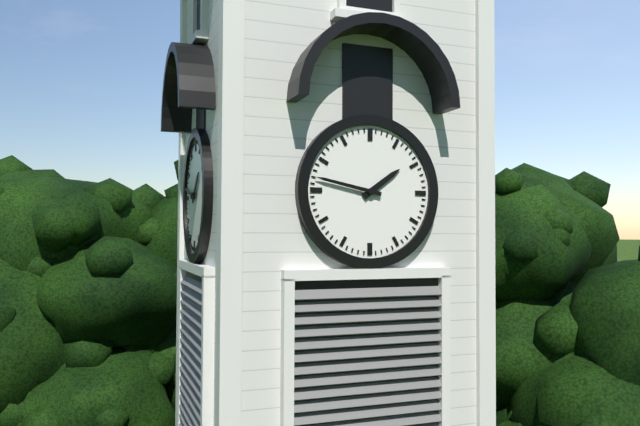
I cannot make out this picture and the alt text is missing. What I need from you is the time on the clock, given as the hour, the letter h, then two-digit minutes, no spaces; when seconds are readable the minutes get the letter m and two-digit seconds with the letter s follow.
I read 1h47
